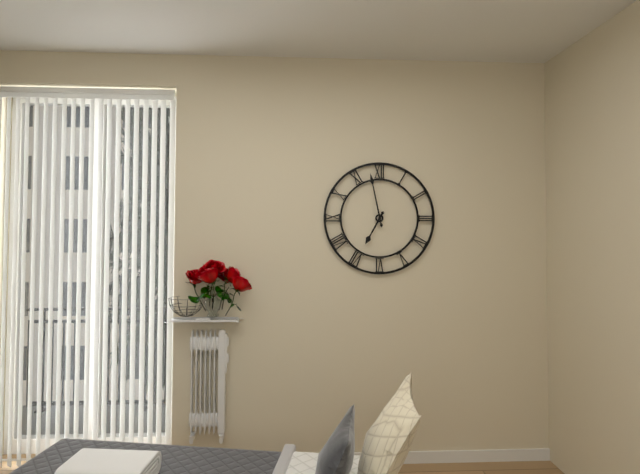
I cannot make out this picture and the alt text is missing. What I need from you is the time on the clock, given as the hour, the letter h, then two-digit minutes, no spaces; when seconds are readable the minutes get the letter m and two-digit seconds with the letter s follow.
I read 6h58
